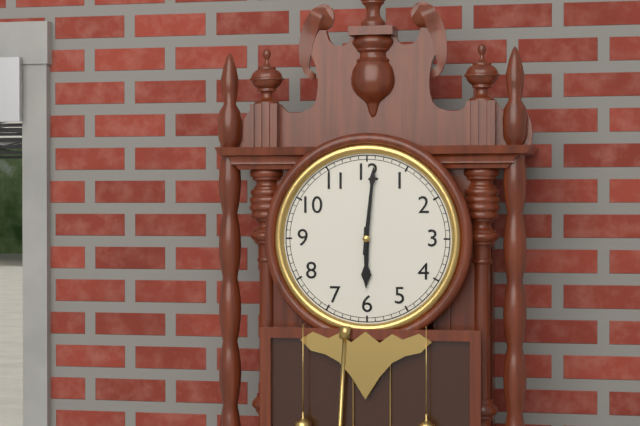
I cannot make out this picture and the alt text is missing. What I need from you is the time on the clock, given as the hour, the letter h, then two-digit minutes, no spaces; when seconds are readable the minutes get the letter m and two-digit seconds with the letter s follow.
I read 6h01
